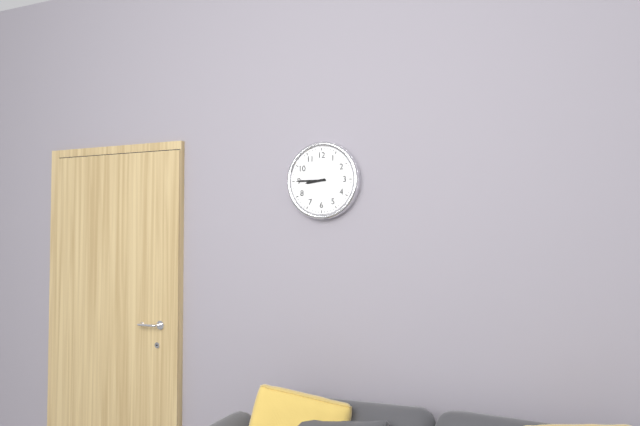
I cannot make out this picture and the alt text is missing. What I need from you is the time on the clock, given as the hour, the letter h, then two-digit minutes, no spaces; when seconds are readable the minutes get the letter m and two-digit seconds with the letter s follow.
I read 8h45
